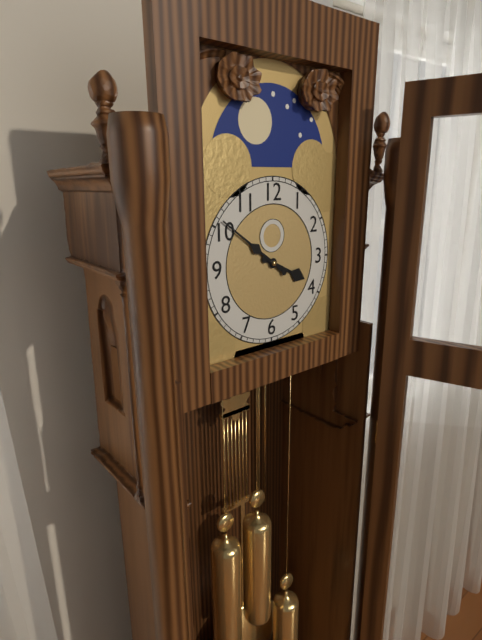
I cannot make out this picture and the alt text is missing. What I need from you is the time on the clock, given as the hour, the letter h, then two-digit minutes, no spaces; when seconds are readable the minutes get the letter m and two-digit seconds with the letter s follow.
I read 3h51
